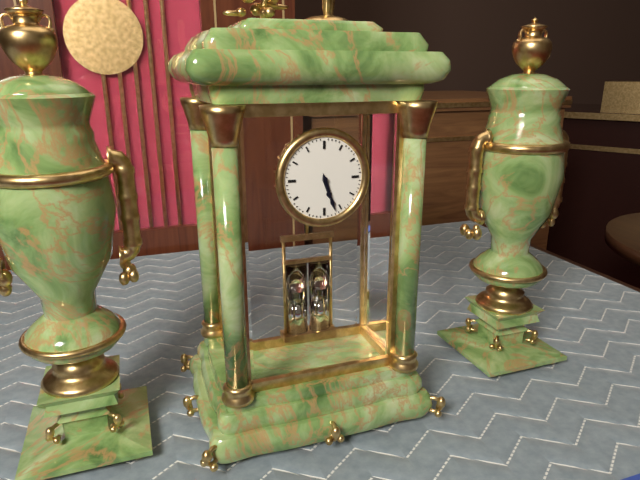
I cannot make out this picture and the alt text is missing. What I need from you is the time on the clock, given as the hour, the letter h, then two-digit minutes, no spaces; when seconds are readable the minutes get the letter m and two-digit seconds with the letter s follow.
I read 5h27
